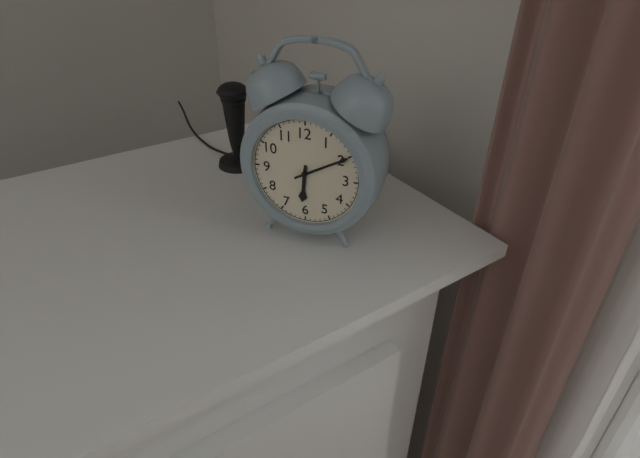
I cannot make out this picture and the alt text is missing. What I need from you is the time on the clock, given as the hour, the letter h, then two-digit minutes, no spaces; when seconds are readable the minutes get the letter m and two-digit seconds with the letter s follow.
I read 6h10
